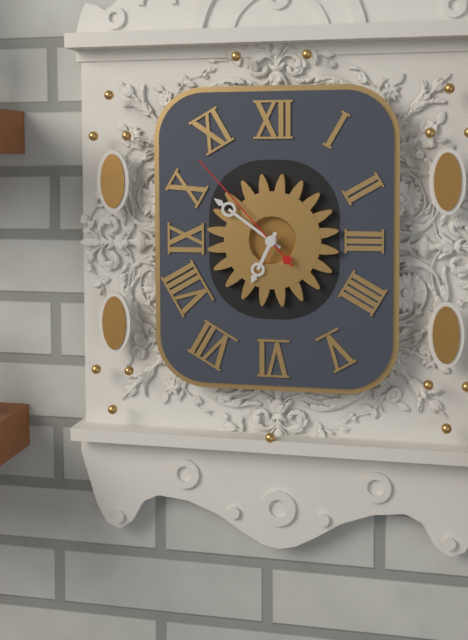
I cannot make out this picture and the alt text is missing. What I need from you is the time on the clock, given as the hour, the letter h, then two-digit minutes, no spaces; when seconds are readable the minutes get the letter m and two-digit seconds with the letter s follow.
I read 6h51m53s
